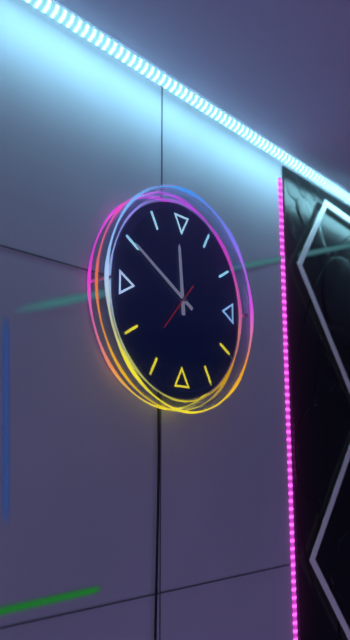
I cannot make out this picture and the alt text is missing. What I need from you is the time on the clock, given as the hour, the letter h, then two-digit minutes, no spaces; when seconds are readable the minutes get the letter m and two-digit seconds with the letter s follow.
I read 11h50
